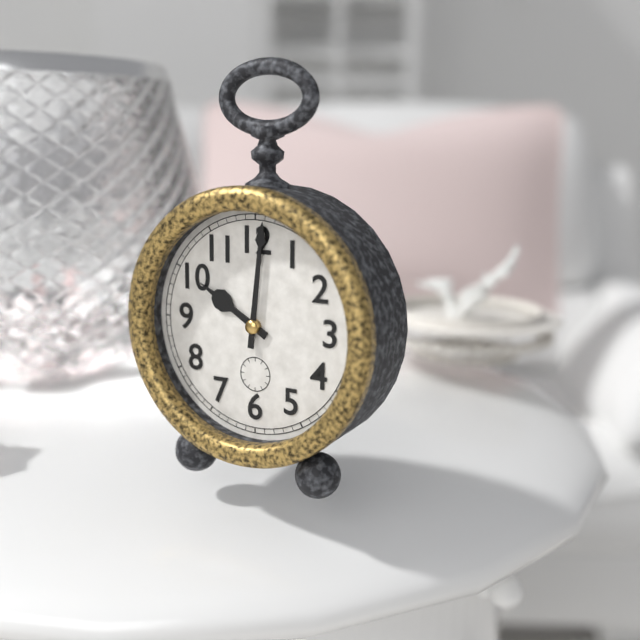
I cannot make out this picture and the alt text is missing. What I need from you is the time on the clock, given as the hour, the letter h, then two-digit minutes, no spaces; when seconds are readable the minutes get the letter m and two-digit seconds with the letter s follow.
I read 10h01
